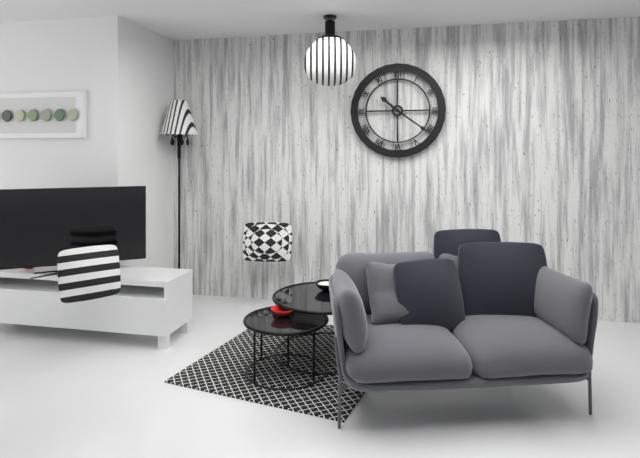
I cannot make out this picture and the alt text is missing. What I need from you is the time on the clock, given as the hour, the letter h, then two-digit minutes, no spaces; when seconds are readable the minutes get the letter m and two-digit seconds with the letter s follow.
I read 10h21
